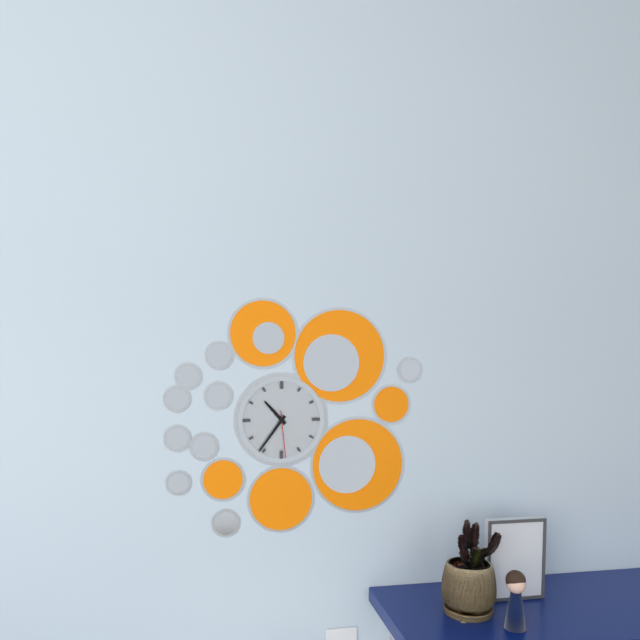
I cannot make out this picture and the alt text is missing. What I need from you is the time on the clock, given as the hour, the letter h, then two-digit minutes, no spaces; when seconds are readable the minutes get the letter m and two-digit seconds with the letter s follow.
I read 10h36
